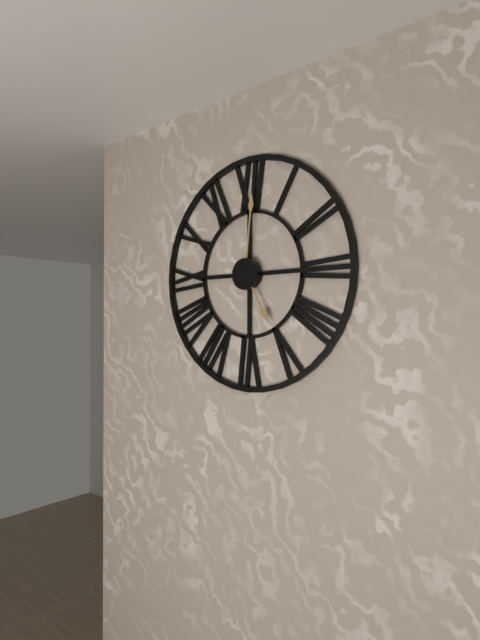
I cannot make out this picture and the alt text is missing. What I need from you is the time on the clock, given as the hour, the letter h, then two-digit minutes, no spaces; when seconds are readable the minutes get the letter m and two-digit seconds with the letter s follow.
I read 5h01
